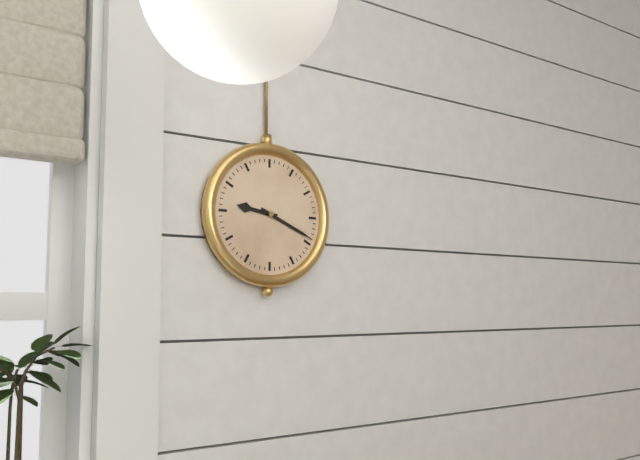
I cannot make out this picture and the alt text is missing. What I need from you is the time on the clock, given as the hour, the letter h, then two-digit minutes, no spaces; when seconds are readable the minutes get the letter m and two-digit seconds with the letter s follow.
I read 9h19
